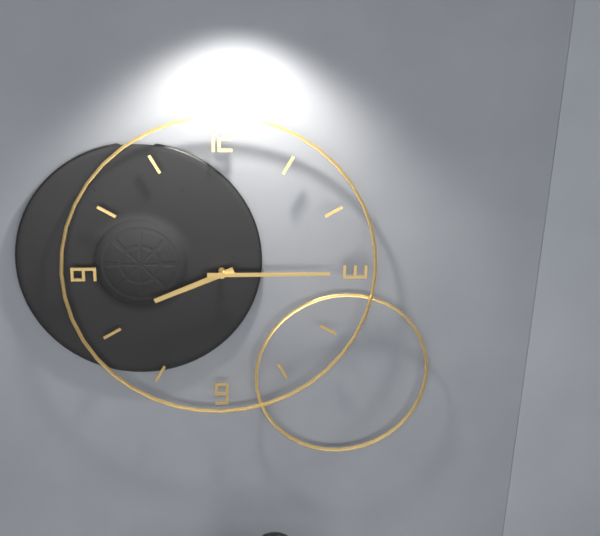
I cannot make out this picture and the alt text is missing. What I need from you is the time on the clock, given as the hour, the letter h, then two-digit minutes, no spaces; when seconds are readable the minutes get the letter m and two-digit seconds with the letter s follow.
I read 8h15
